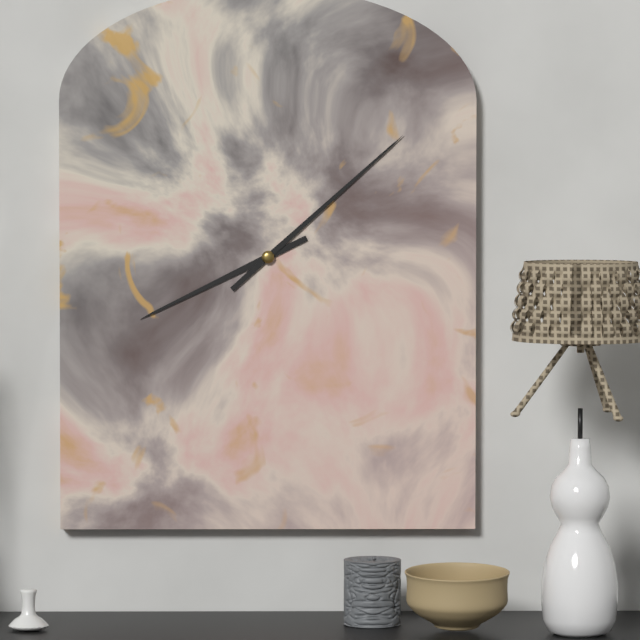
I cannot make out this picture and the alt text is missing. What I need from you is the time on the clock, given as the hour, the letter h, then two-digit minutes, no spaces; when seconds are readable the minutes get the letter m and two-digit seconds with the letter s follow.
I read 8h08
